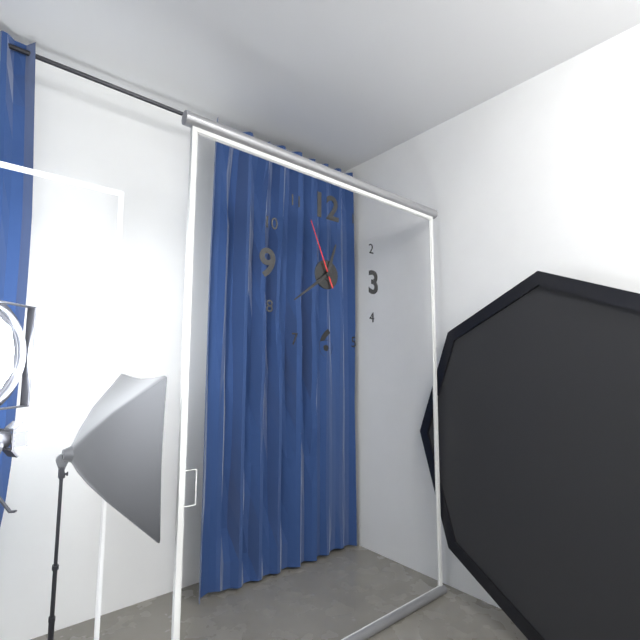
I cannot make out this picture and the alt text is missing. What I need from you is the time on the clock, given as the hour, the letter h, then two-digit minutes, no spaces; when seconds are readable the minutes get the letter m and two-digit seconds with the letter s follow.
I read 12h39m56s
